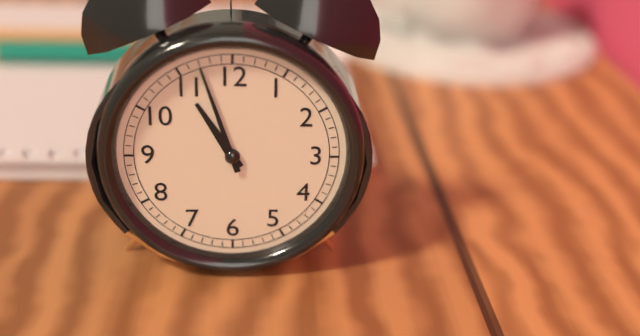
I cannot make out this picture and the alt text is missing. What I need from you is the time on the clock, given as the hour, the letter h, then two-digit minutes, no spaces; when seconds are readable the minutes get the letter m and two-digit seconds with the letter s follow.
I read 10h57
